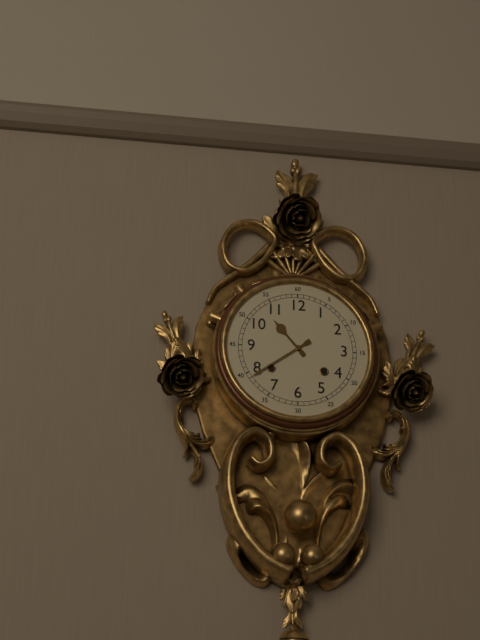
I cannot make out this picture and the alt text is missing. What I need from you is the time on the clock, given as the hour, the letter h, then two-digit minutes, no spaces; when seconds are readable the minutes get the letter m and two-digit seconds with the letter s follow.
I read 10h39
